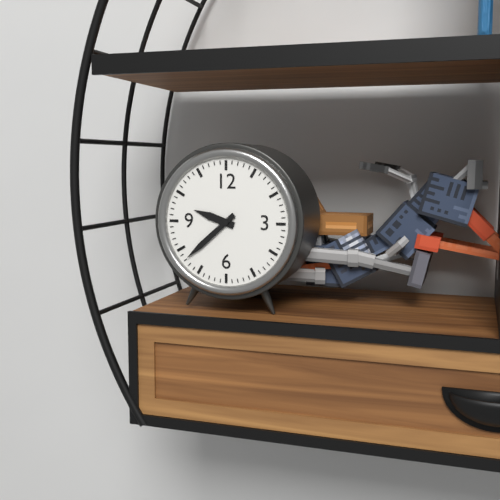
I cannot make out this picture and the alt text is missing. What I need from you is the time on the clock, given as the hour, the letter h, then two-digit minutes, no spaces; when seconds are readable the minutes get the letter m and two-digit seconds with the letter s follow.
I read 9h38
